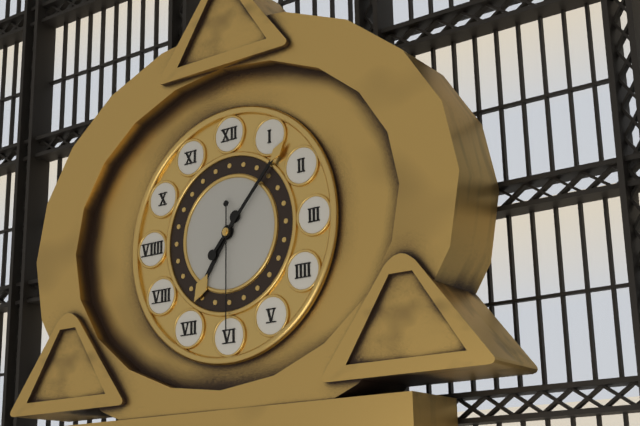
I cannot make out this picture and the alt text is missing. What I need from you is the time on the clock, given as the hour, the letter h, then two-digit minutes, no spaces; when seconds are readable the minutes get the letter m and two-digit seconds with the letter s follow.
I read 7h07m30s
